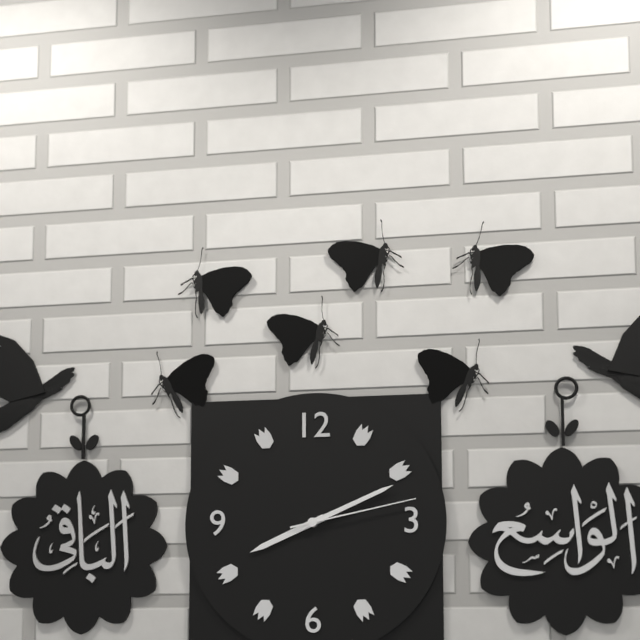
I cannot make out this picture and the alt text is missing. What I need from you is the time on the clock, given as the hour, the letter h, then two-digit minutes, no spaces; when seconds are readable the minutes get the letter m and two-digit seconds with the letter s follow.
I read 8h11m13s
